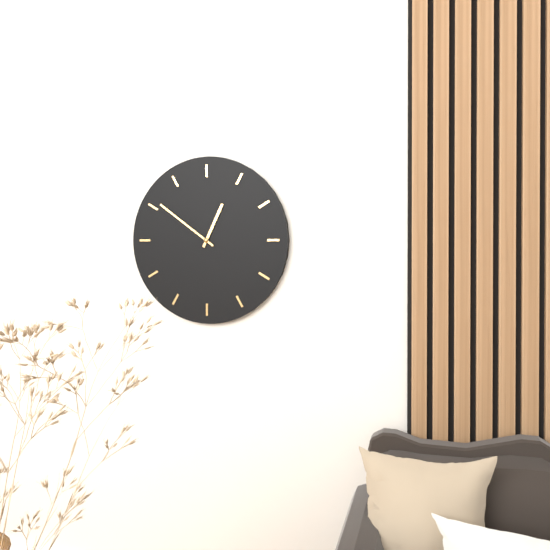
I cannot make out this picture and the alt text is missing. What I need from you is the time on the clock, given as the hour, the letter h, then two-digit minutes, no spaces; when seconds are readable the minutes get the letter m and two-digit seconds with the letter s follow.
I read 12h51
